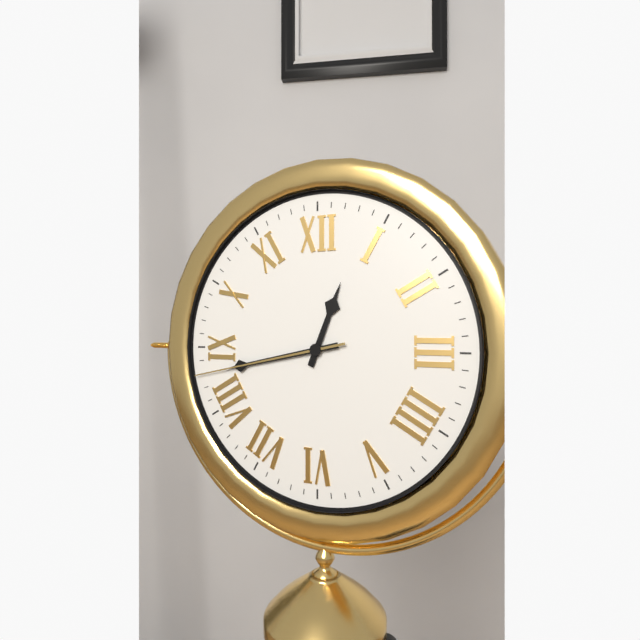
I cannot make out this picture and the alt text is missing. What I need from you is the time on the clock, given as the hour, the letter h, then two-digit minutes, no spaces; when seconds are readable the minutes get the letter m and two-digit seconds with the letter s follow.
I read 12h43m43s
